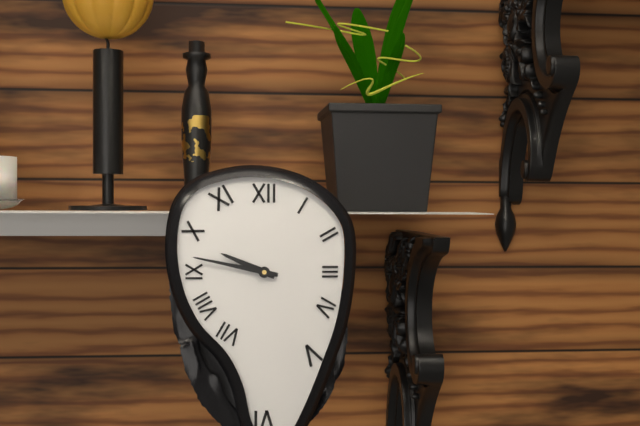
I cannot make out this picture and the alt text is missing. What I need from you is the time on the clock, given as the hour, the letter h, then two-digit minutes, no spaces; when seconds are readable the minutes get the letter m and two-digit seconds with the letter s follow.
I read 9h47
